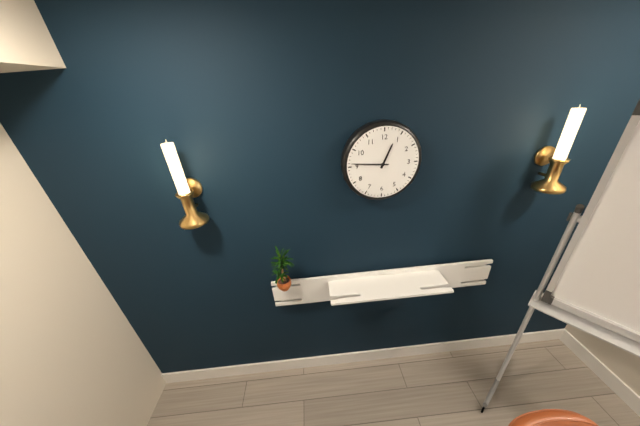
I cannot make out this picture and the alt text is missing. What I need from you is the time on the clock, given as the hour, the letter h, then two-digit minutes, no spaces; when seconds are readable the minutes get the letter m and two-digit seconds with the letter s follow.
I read 12h46
